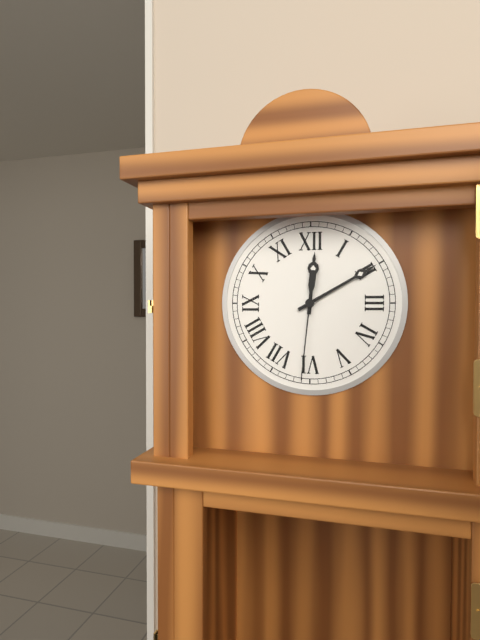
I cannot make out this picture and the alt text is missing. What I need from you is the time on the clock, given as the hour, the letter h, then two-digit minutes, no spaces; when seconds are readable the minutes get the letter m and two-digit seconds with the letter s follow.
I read 12h10m31s
